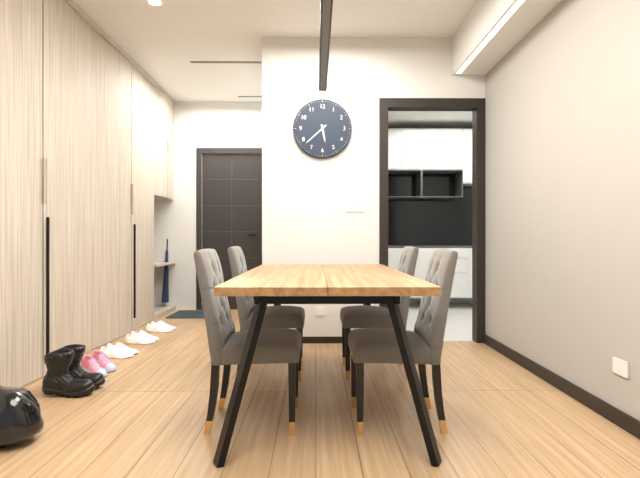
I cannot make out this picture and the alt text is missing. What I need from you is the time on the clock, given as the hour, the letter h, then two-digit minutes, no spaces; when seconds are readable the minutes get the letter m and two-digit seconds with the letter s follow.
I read 5h38
